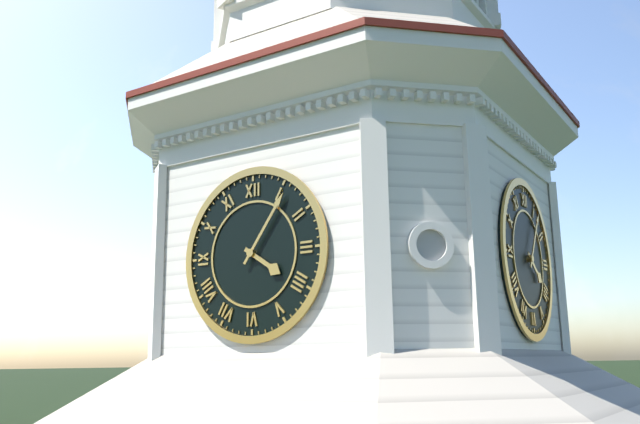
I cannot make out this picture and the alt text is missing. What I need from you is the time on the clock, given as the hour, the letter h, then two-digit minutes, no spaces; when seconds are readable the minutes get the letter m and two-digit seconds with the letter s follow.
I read 4h06
